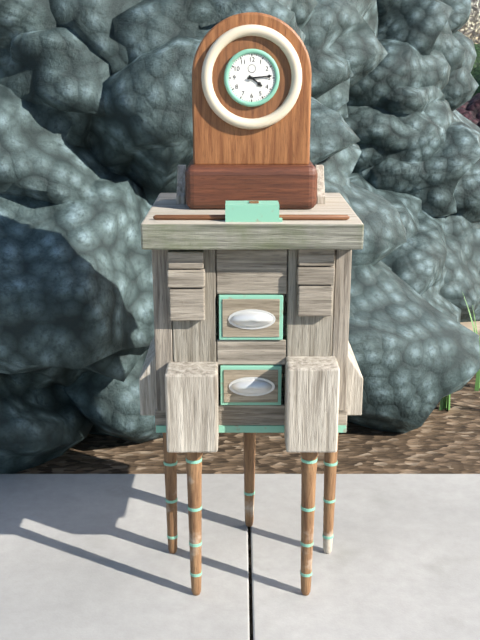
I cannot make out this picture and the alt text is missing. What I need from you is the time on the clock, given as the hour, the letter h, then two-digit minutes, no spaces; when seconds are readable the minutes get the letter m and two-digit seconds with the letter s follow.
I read 4h14
